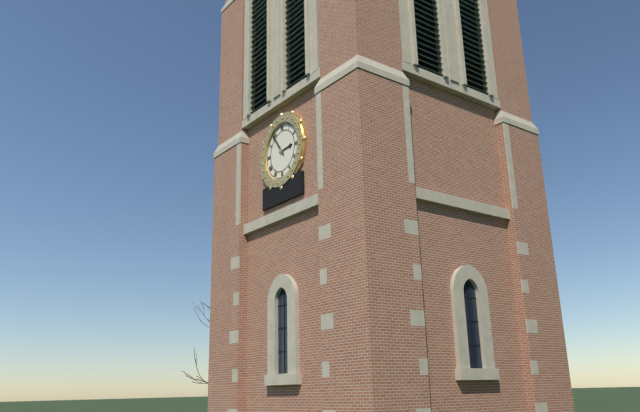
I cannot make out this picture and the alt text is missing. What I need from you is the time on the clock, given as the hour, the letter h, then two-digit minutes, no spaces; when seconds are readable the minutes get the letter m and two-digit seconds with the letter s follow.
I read 2h54
